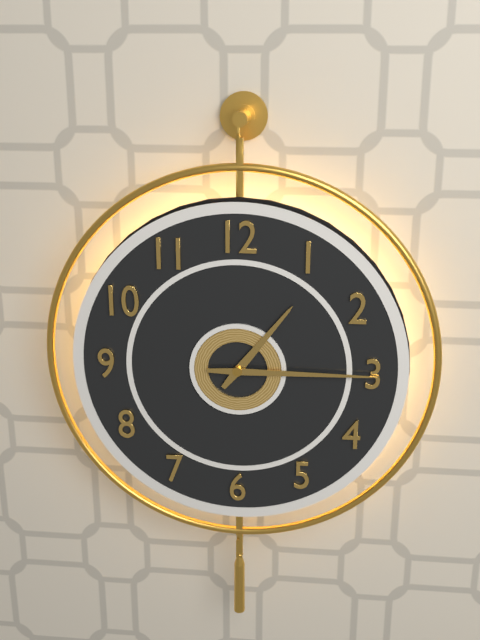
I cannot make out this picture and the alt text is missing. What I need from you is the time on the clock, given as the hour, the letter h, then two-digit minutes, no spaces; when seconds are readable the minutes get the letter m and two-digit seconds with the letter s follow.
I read 1h15
